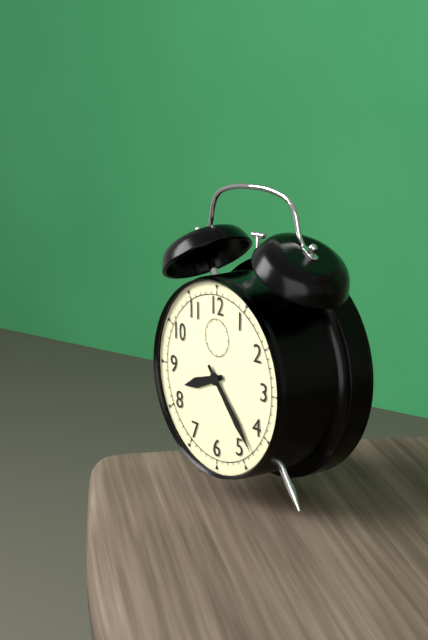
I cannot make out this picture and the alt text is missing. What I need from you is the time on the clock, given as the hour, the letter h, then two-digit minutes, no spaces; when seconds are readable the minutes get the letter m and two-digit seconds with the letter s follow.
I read 8h23
